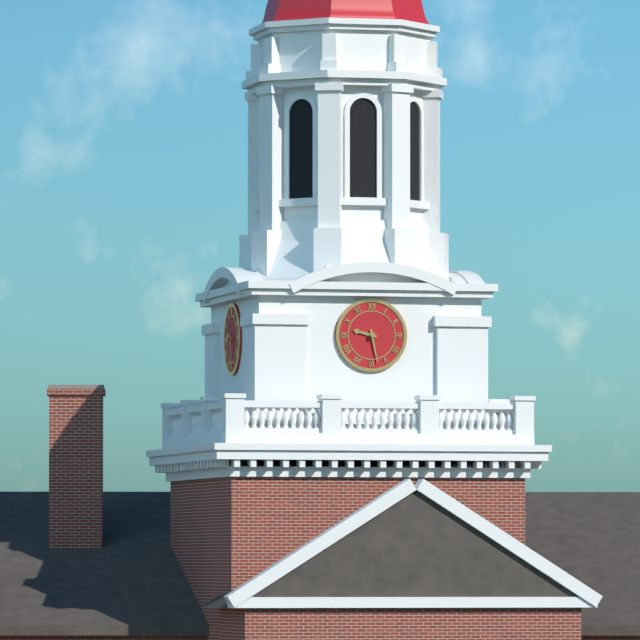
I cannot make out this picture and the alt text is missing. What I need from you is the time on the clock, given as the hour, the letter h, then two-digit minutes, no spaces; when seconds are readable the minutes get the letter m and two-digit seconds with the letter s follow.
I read 9h28
